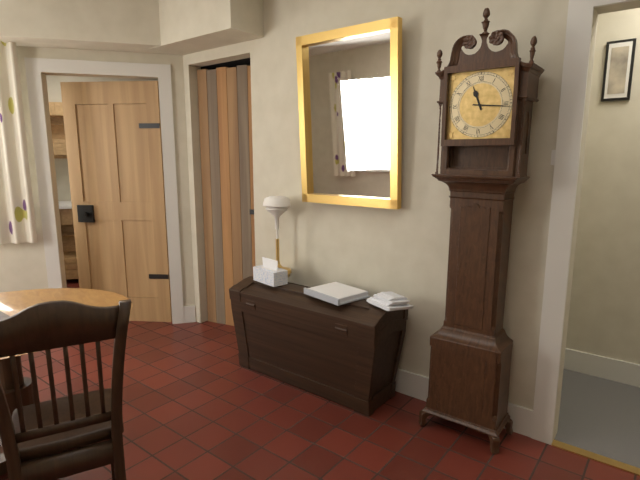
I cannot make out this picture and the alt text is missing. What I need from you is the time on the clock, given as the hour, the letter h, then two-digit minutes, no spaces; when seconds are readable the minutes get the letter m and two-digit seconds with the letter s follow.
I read 11h16
